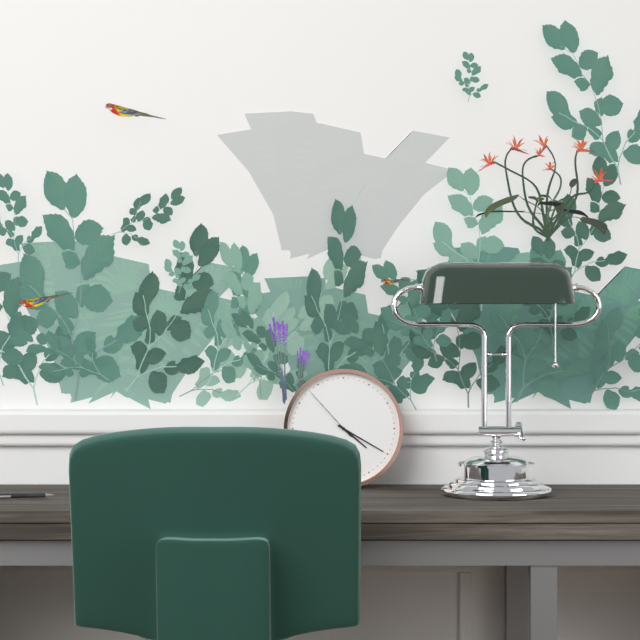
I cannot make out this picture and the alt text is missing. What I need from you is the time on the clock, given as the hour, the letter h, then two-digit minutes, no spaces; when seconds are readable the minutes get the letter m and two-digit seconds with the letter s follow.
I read 4h20m53s
